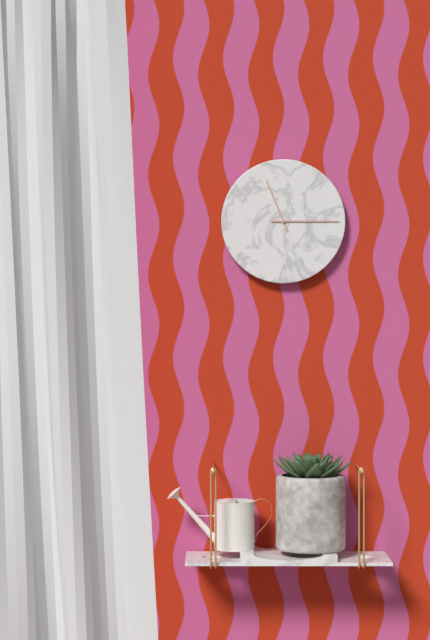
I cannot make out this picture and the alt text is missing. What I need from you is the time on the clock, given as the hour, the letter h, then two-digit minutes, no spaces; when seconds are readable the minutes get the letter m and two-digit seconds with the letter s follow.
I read 11h15
